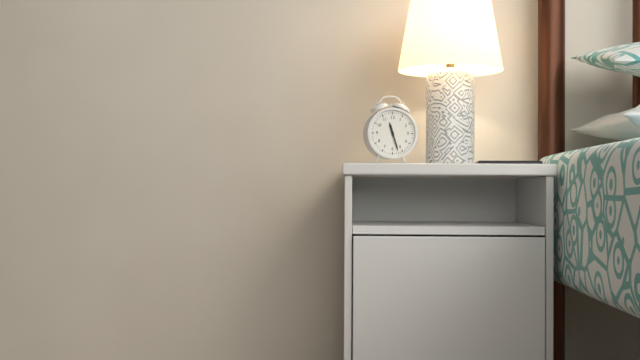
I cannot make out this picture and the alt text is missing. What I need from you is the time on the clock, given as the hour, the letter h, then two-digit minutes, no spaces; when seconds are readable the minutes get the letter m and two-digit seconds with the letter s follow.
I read 11h27
